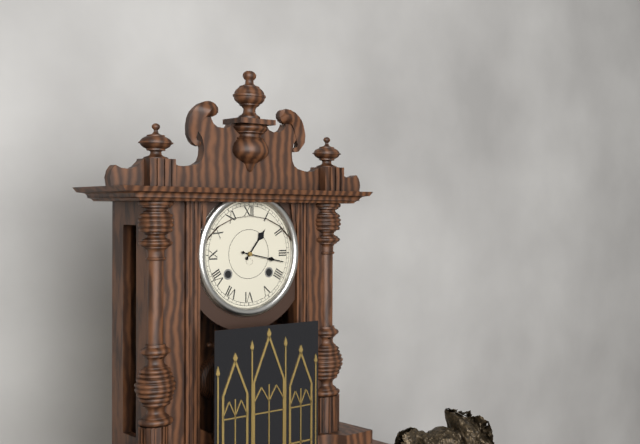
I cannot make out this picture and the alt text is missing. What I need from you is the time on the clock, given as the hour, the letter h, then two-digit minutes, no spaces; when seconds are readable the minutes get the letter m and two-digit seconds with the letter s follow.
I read 1h17
